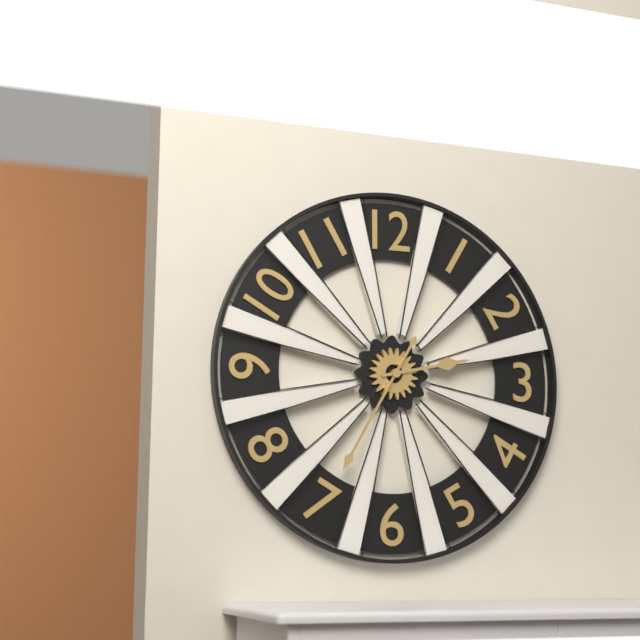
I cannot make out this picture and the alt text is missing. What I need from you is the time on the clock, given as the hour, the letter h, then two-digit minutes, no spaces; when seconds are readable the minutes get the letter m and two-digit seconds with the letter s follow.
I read 2h35
